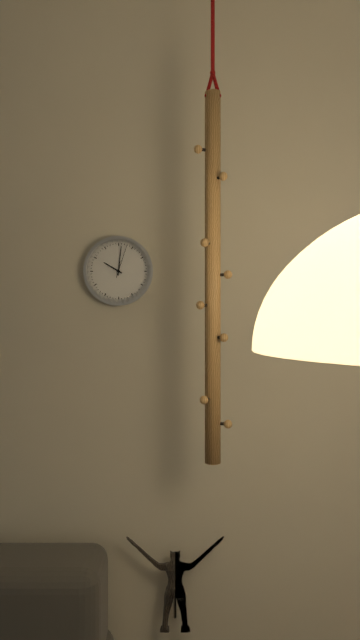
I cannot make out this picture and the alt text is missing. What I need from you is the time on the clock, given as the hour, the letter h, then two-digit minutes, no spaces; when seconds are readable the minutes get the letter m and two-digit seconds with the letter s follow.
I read 10h01
